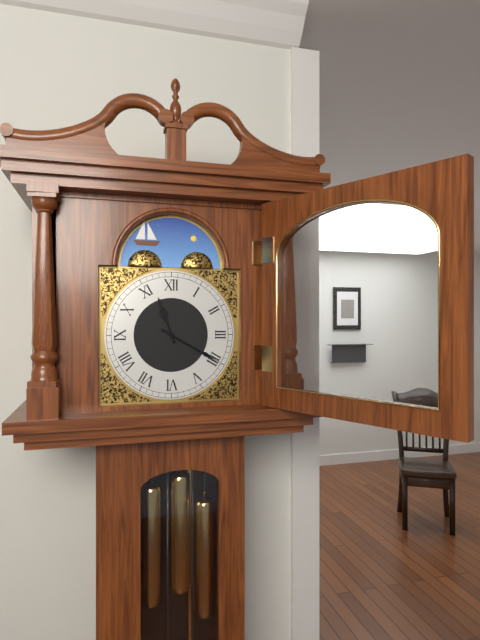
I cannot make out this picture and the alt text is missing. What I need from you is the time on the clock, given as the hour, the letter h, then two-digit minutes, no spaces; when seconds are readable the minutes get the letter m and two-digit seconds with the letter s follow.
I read 11h20
